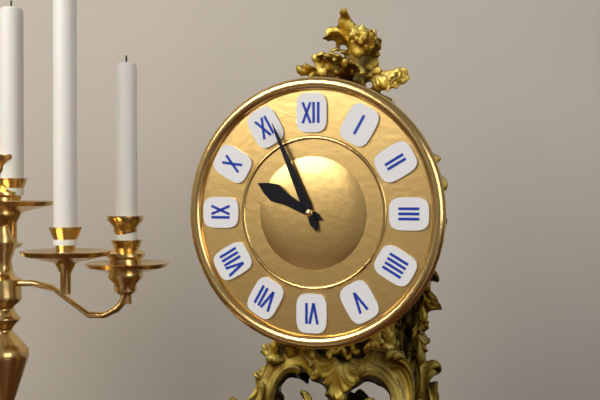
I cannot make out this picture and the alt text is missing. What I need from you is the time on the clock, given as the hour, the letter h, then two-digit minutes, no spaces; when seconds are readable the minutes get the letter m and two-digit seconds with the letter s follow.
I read 9h56
